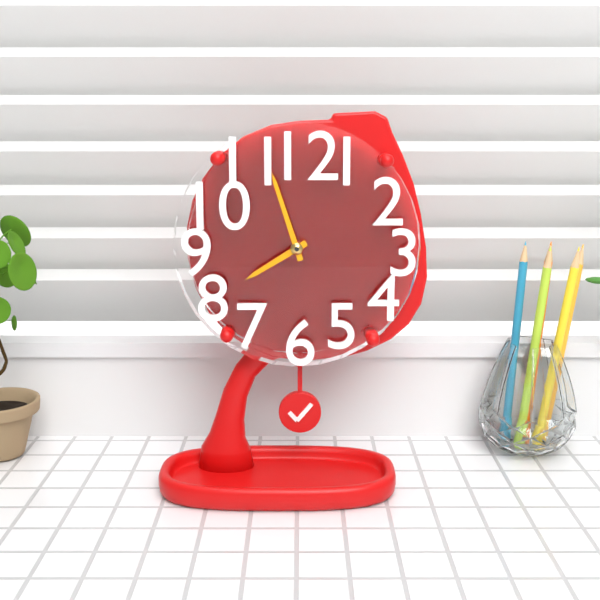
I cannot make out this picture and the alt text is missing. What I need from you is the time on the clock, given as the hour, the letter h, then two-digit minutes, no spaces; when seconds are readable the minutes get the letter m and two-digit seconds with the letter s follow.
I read 7h57
